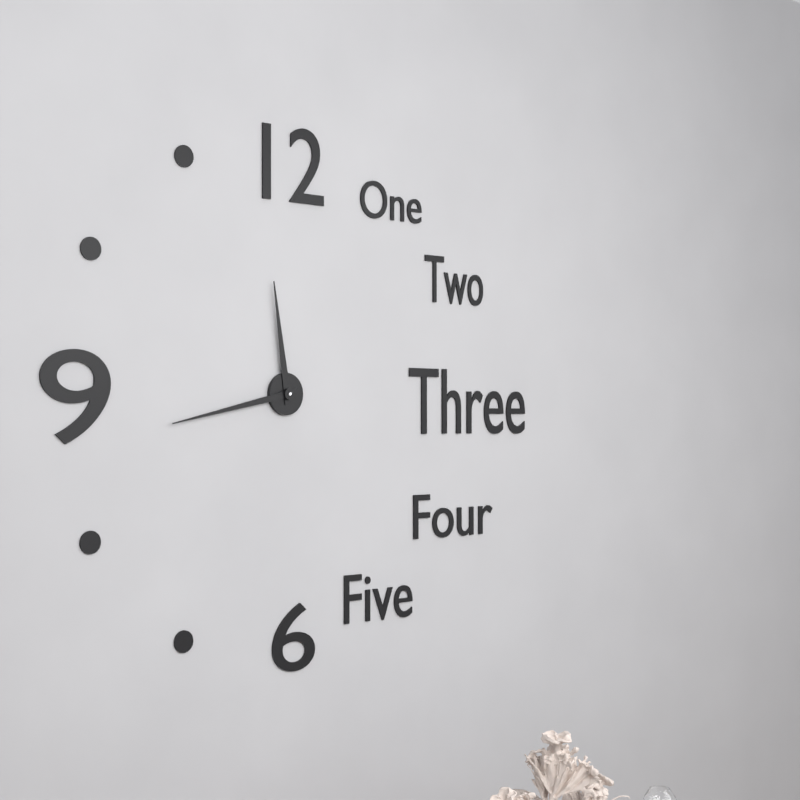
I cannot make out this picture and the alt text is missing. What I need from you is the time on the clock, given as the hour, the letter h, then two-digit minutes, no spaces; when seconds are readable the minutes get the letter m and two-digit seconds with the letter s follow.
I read 11h43
